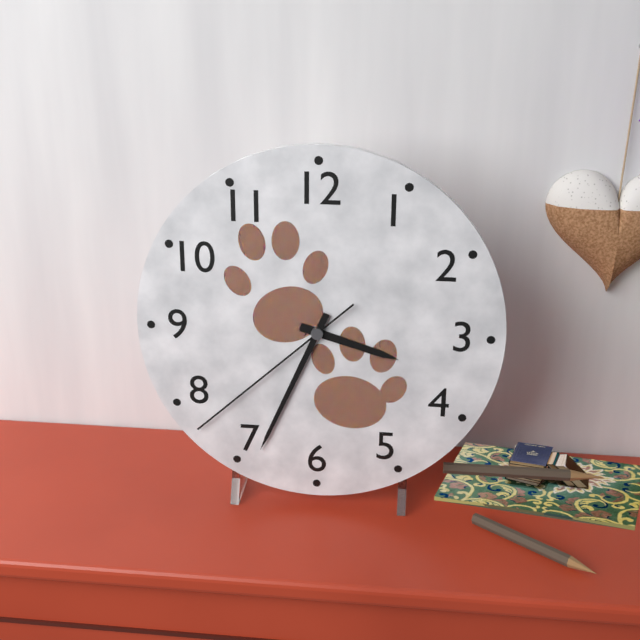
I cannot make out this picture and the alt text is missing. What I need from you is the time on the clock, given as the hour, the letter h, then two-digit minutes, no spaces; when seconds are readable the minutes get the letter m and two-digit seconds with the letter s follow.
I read 3h34m38s
